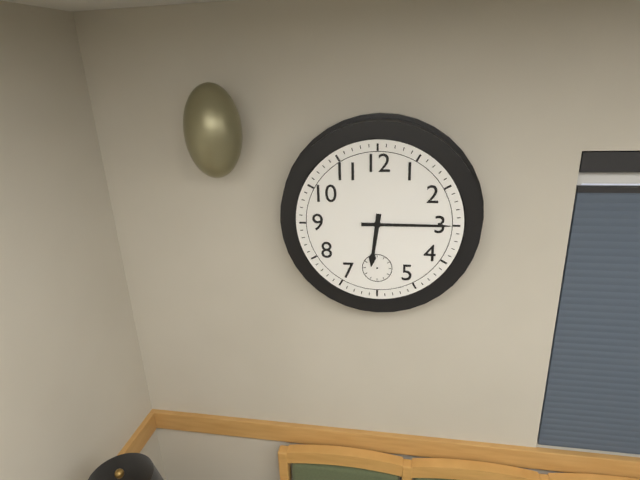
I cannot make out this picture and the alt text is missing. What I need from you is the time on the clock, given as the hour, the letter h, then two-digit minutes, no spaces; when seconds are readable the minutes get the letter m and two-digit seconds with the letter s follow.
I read 6h15
